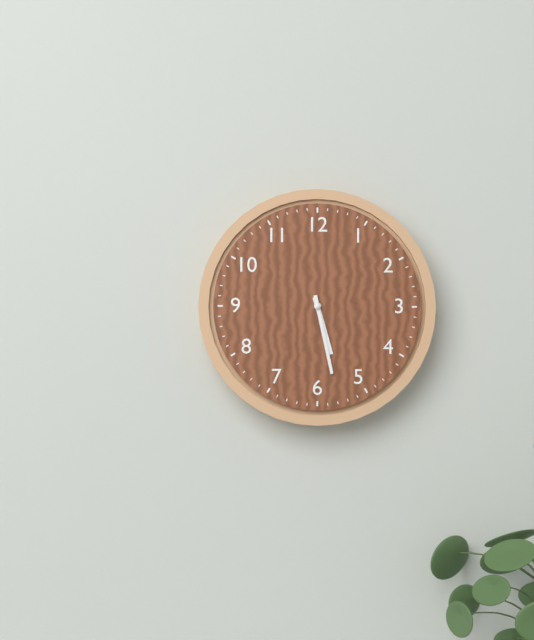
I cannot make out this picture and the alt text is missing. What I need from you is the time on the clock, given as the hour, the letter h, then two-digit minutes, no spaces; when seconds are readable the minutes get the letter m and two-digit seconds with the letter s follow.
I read 5h28
